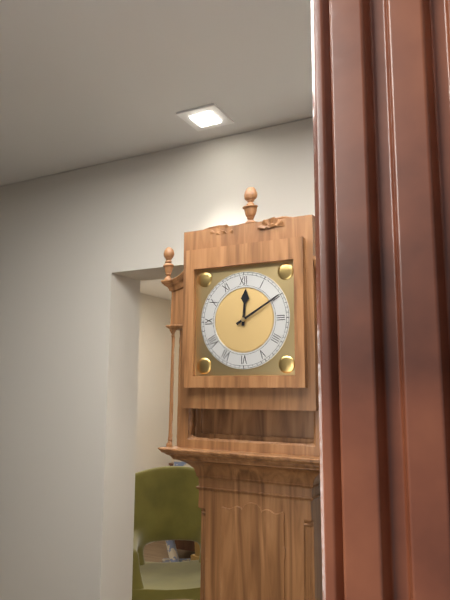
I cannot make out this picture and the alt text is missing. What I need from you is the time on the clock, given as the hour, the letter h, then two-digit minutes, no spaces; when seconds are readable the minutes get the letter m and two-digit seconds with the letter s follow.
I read 12h10
